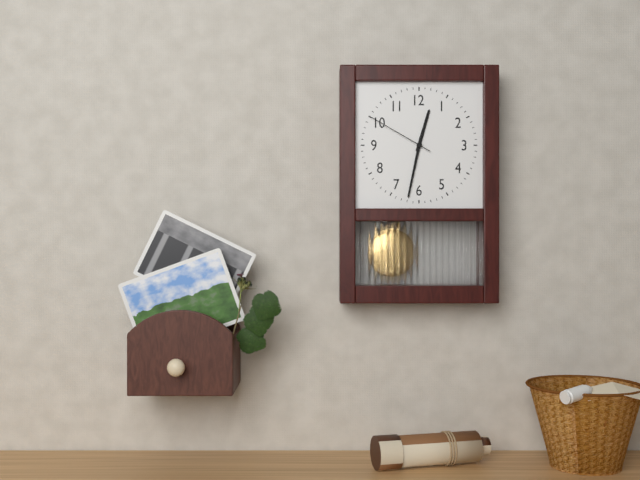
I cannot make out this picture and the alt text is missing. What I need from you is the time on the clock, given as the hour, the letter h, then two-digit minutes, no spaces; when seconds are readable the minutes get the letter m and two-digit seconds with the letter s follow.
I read 12h32m50s
